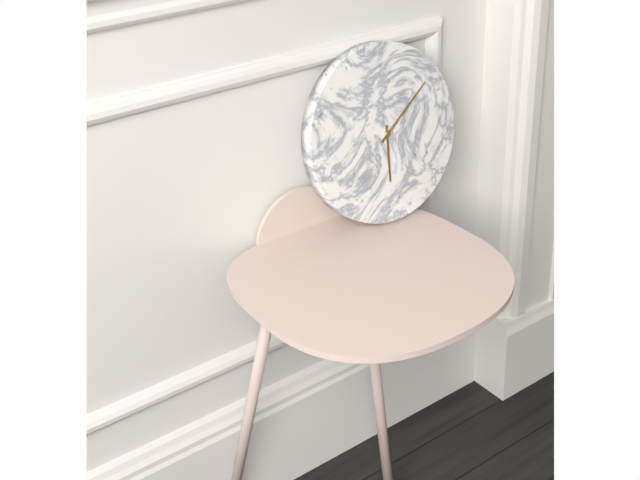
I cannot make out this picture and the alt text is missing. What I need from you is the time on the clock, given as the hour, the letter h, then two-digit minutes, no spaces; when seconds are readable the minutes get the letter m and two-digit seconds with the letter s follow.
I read 6h09
